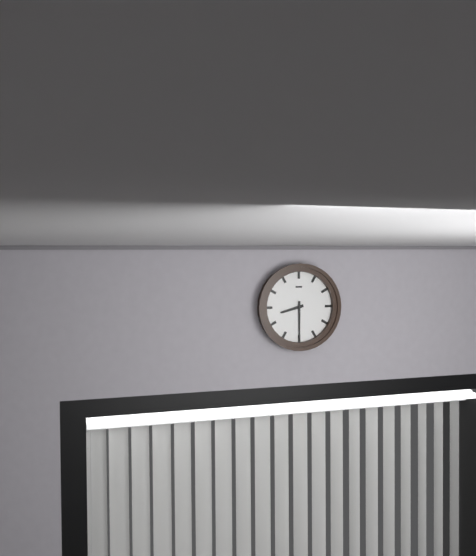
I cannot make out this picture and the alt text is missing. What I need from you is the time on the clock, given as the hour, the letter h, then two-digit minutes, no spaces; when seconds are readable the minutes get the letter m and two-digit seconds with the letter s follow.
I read 8h30
